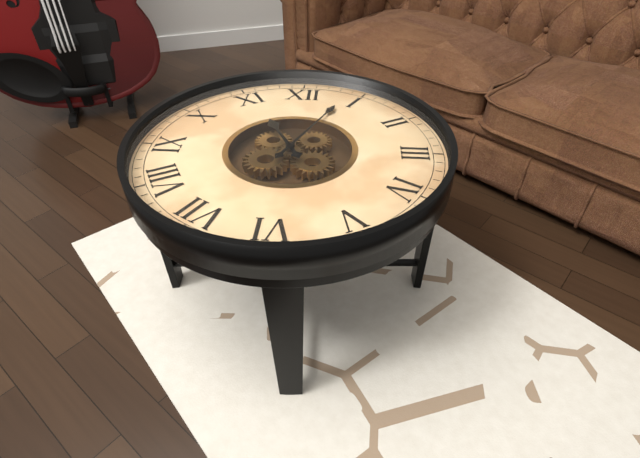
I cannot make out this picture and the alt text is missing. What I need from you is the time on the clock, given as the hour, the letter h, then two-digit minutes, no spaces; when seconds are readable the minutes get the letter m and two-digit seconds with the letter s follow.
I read 11h04
